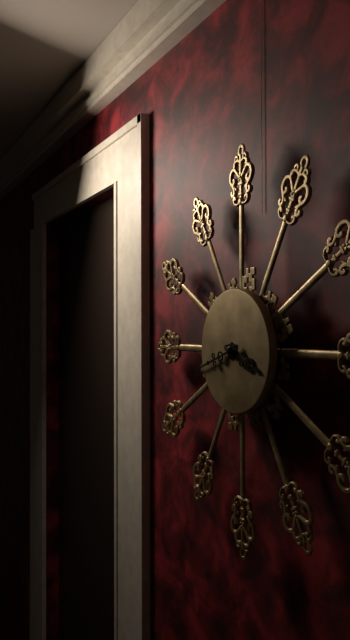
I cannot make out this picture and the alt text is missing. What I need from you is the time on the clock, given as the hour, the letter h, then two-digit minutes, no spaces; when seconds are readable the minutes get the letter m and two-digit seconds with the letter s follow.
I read 3h42
